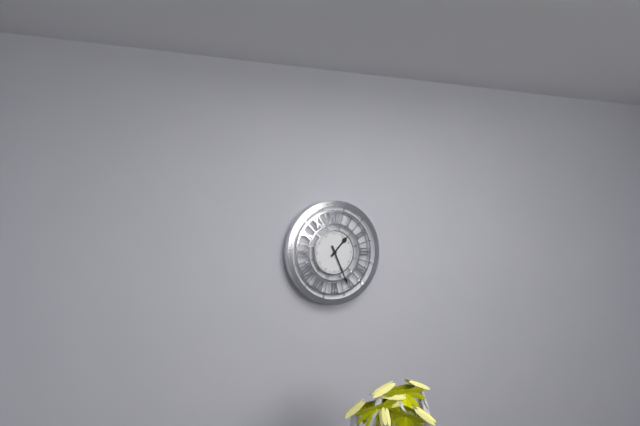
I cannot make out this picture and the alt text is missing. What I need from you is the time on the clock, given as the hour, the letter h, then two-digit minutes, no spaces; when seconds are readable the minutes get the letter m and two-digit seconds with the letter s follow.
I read 1h26
